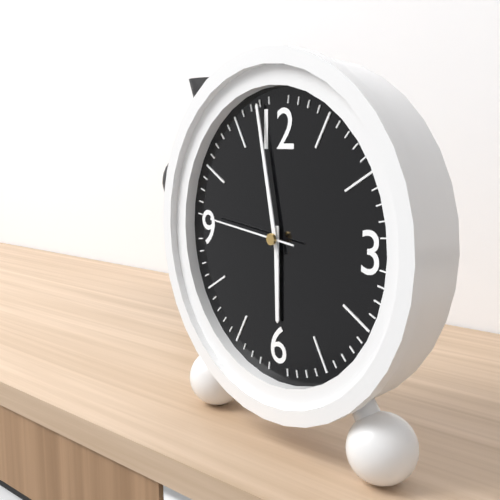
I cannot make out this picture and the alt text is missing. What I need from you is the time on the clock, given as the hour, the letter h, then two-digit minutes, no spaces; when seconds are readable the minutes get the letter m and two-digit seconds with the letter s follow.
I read 5h58m46s
